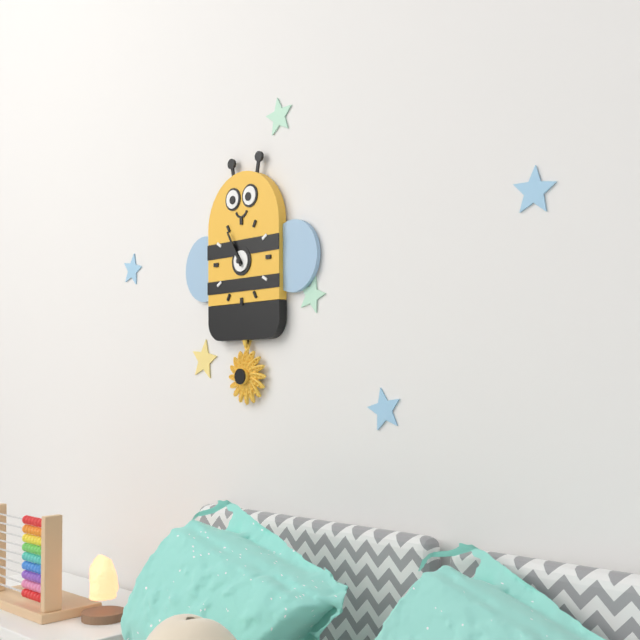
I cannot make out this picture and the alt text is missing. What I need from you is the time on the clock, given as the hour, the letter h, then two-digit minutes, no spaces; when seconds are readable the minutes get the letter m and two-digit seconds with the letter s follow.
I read 10h55
